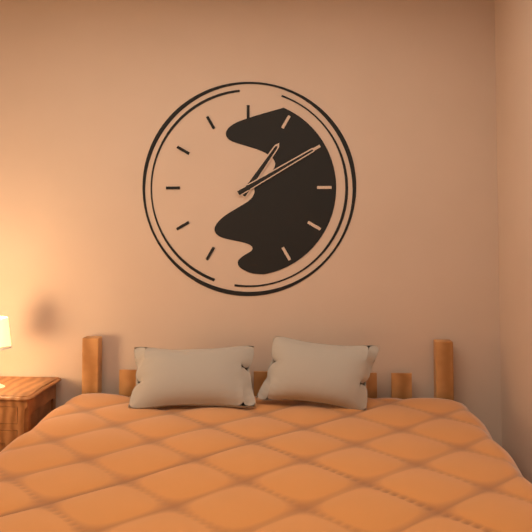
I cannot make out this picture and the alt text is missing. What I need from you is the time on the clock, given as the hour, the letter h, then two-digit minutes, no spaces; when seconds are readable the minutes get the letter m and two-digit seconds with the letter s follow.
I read 1h10
